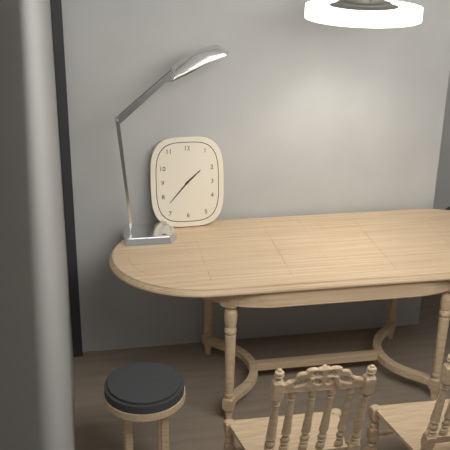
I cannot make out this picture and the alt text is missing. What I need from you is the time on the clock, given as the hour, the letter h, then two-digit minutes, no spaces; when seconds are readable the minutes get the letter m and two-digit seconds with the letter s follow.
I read 1h37
